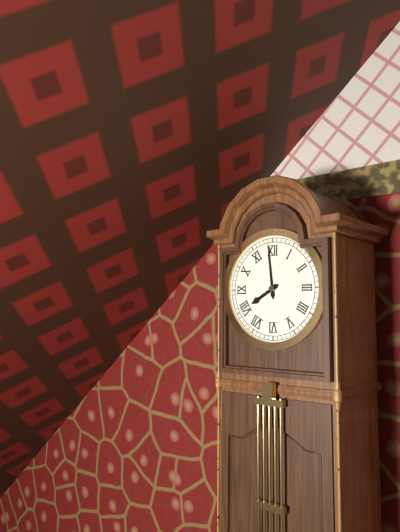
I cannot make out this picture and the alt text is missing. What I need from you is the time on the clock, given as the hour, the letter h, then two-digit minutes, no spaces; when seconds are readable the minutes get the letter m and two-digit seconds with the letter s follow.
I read 7h59
